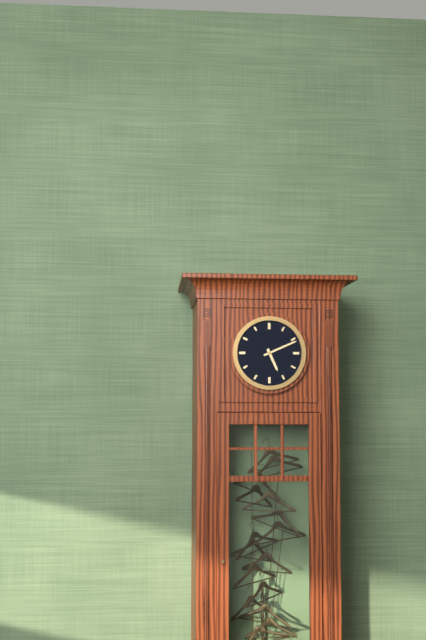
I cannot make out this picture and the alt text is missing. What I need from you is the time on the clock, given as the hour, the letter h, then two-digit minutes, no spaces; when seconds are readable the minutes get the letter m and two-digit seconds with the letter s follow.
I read 5h11
